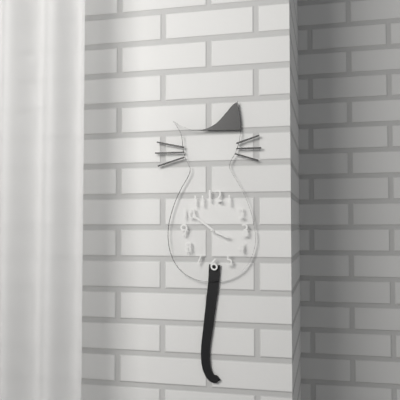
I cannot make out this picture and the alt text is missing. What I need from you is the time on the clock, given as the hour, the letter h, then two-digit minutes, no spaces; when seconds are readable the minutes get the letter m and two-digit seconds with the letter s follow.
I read 3h51
